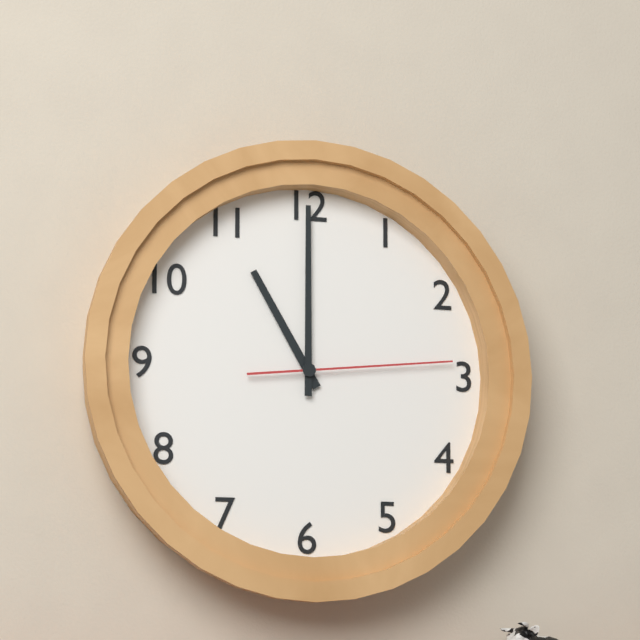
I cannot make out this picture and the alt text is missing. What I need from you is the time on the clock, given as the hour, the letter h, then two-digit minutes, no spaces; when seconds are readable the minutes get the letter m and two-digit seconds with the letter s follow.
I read 11h00m14s
